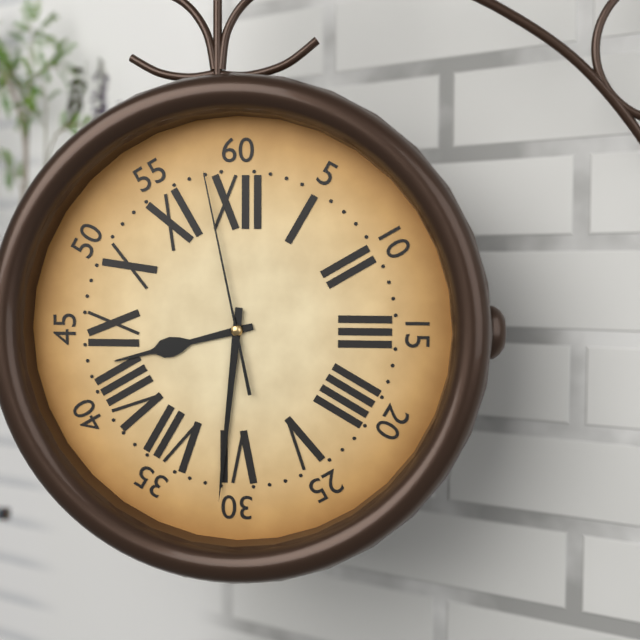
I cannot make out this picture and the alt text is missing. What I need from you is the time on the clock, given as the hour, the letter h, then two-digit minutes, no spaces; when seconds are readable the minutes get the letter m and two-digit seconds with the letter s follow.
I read 8h31m58s
